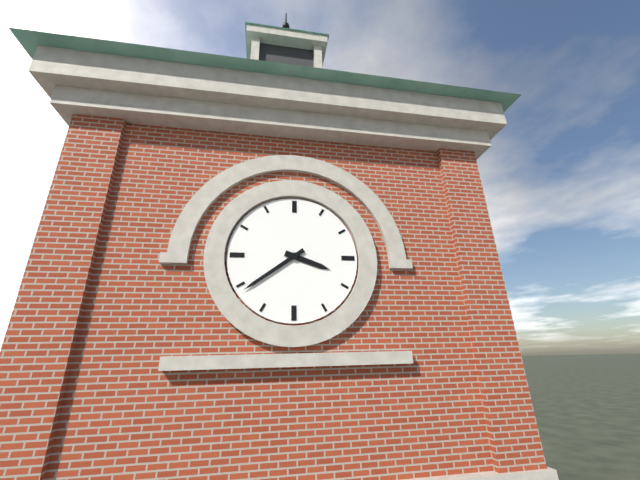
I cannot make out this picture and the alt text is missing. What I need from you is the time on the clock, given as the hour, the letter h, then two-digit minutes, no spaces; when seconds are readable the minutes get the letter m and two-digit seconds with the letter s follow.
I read 3h39
